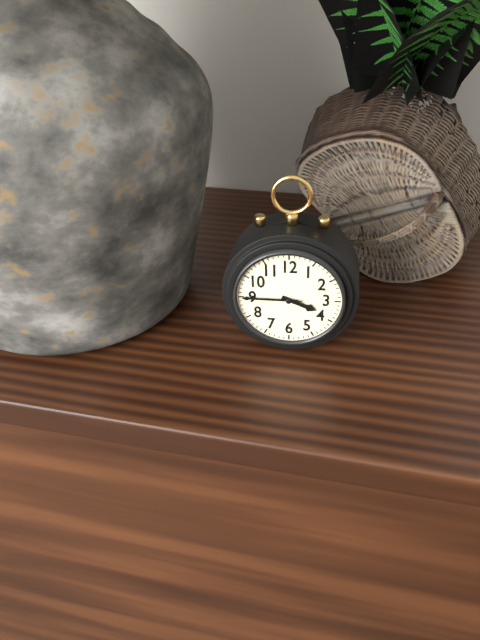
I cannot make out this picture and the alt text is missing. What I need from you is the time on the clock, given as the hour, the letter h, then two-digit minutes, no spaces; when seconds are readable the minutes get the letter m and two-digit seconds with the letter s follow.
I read 3h45m45s
